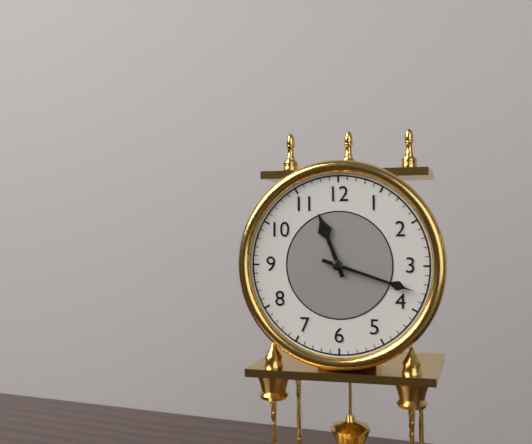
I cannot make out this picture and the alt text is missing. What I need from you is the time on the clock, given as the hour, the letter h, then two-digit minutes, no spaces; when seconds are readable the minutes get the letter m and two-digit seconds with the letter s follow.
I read 11h18
